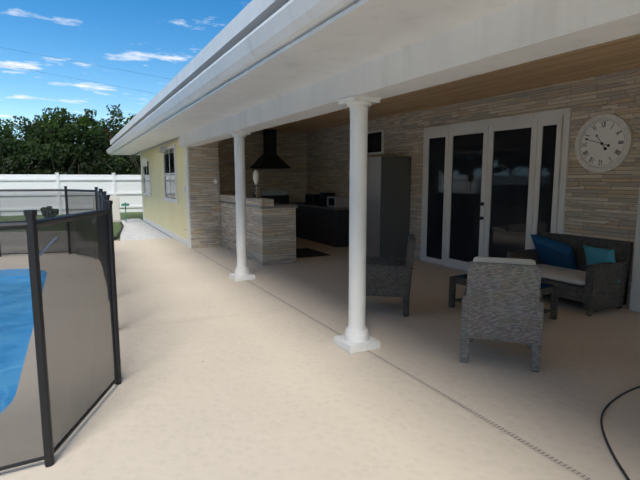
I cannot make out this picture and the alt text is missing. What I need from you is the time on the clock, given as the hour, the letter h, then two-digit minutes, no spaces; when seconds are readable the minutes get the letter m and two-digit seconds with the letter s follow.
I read 10h48
